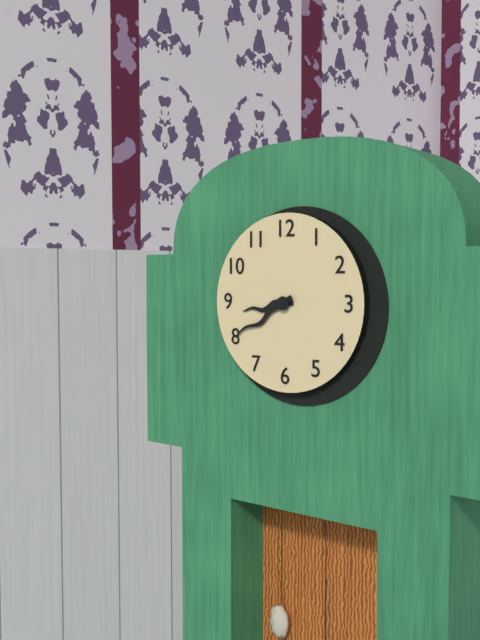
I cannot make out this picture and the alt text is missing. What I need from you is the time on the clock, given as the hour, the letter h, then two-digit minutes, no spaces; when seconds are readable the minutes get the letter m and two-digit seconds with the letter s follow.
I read 8h40
